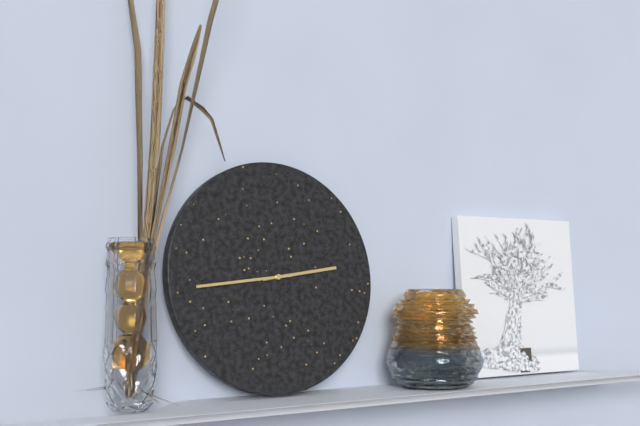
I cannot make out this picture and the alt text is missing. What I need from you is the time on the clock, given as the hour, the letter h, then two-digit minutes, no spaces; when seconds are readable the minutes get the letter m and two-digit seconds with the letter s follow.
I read 2h44
